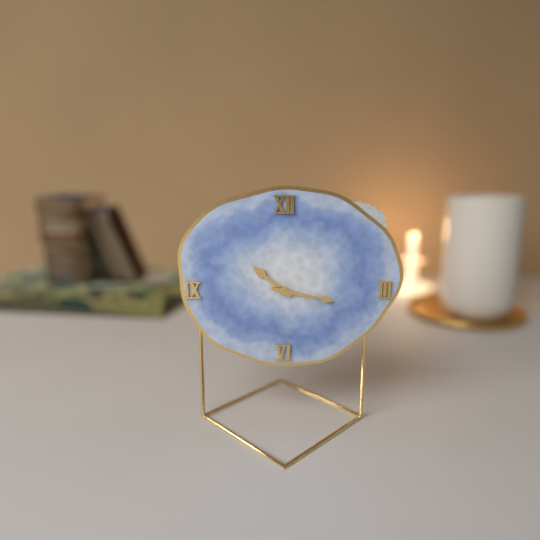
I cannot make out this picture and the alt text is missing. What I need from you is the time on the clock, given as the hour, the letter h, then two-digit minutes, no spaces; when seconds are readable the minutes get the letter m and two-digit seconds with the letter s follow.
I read 10h17
